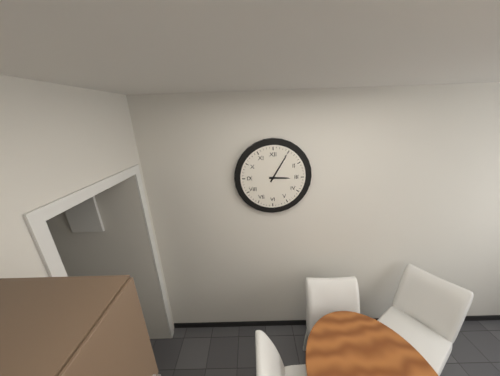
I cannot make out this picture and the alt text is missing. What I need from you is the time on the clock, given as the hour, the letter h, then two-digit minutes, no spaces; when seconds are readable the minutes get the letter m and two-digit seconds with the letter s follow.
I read 3h05
